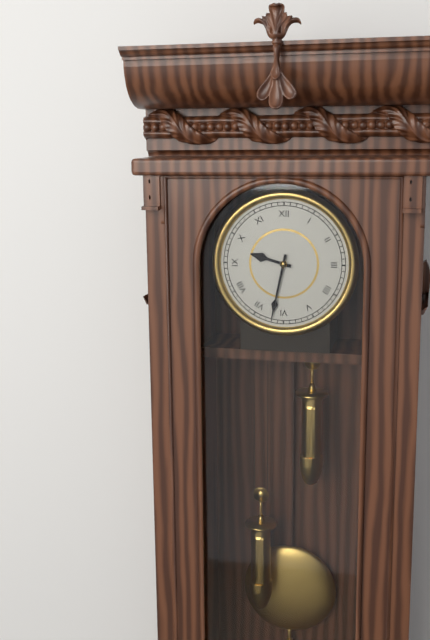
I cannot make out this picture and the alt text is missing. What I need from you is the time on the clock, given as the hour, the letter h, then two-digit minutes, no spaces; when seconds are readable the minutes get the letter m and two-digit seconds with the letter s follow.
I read 9h32
